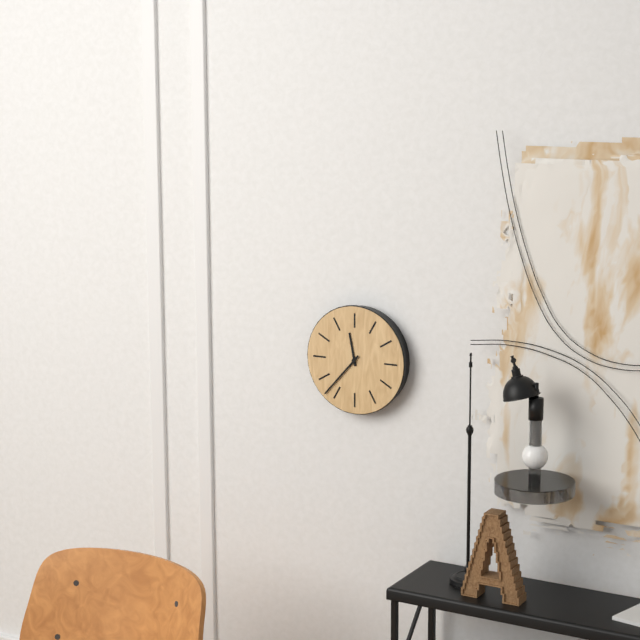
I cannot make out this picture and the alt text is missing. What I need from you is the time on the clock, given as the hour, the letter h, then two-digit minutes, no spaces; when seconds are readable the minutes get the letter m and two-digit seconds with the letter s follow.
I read 11h37
